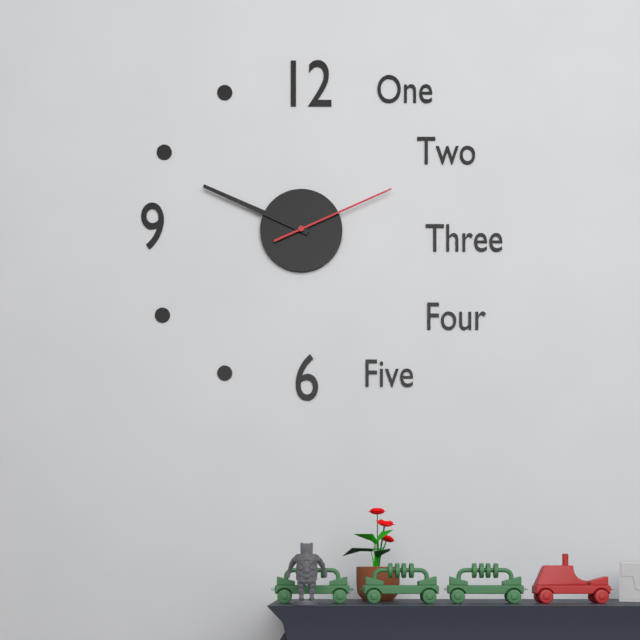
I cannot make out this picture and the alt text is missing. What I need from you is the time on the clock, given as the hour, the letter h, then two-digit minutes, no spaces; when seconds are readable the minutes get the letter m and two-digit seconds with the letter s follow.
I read 9h49m11s
